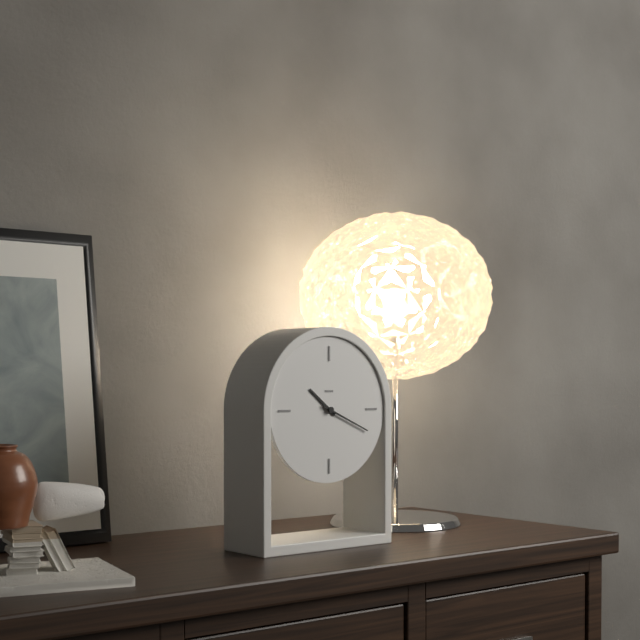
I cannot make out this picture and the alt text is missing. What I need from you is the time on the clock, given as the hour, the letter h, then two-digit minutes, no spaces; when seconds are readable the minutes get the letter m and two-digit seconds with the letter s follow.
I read 10h19
